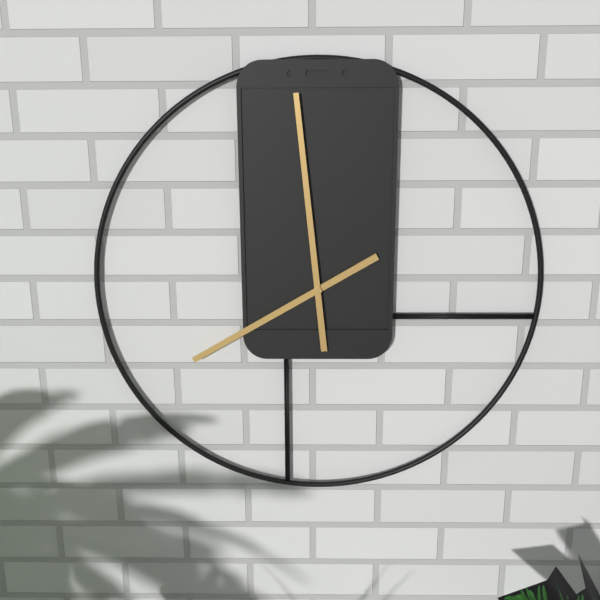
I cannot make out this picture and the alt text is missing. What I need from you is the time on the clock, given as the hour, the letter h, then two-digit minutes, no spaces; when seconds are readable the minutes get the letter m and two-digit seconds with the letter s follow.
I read 7h59
